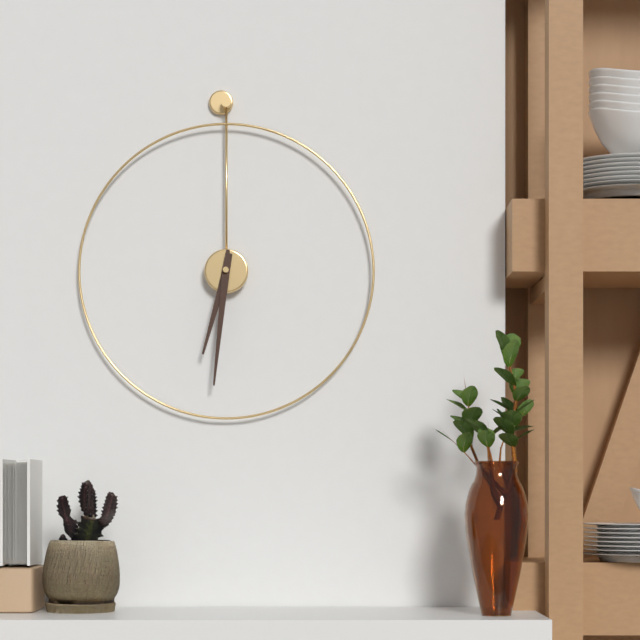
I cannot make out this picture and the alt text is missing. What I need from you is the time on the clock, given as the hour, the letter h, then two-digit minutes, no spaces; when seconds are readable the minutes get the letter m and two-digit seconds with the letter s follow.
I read 6h31
